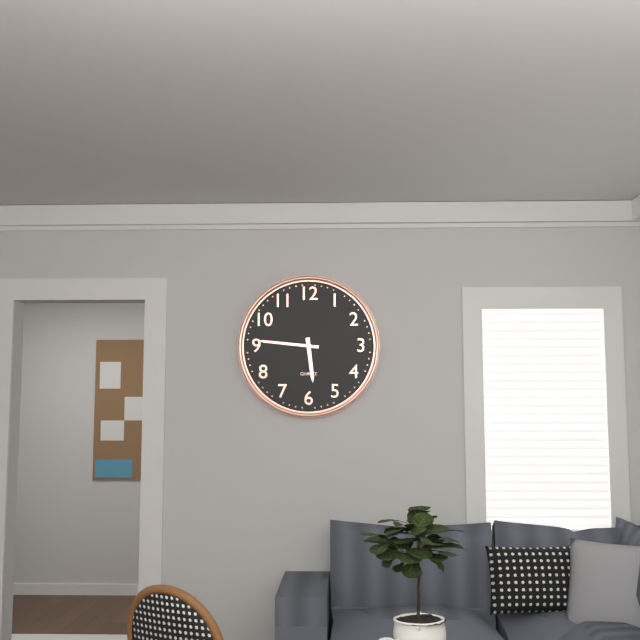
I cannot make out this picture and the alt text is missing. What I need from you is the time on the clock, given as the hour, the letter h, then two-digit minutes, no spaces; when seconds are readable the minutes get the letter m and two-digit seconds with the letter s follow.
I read 5h46
